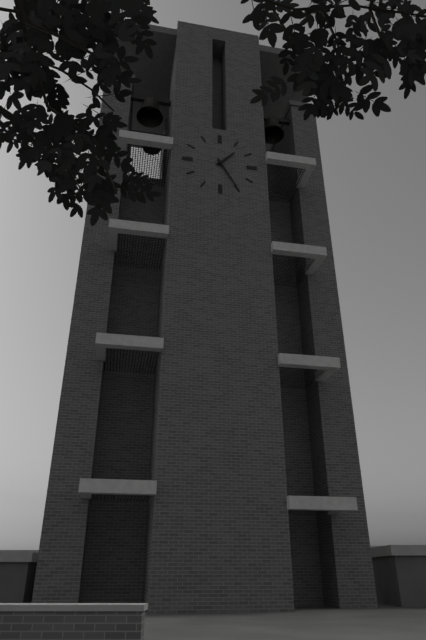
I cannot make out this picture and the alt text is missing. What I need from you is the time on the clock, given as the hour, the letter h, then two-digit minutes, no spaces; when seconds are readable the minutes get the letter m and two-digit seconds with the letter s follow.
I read 1h25
